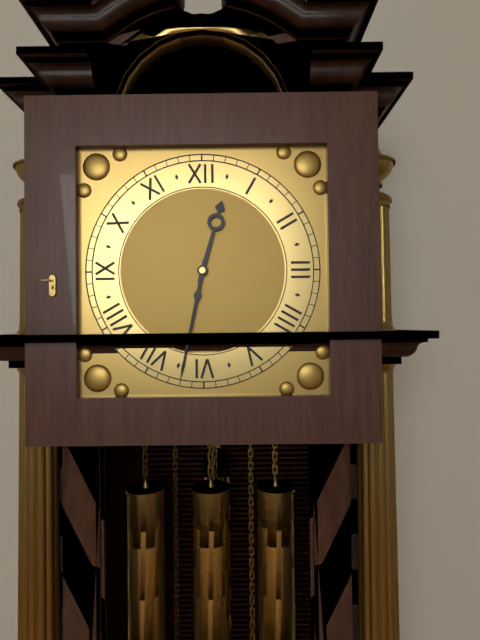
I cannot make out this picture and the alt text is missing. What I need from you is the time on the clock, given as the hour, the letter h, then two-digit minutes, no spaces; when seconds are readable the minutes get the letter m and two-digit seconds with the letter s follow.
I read 12h32
